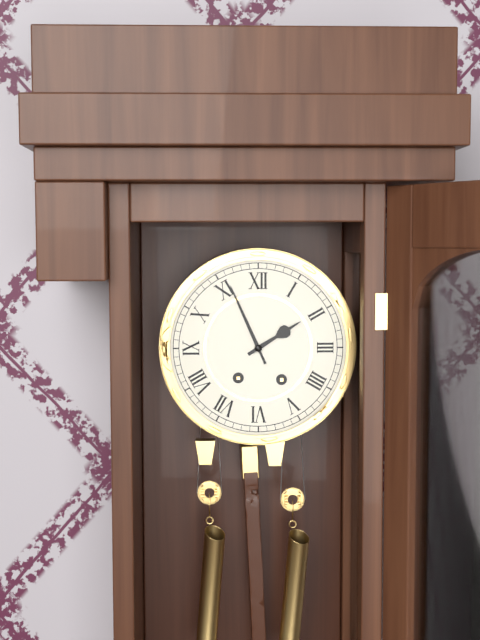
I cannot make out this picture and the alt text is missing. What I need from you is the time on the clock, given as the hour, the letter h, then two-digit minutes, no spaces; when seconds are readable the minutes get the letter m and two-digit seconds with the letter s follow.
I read 1h56
